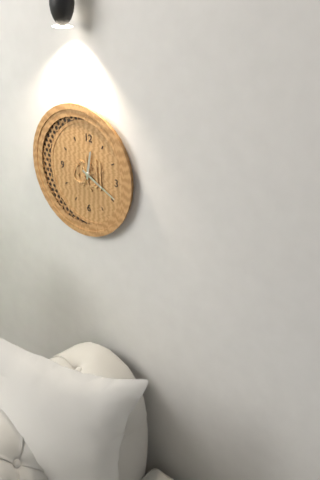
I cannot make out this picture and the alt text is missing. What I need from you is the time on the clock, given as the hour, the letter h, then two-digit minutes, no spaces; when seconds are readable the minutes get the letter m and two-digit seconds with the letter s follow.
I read 12h19
